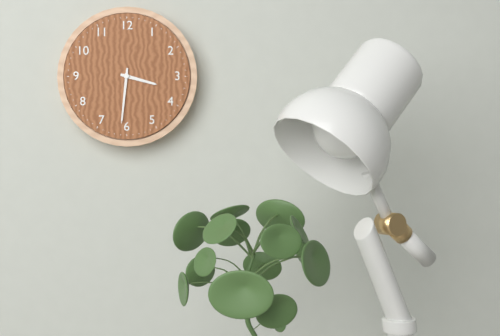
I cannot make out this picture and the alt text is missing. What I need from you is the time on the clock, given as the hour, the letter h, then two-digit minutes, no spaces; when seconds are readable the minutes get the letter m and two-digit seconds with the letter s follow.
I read 3h31
